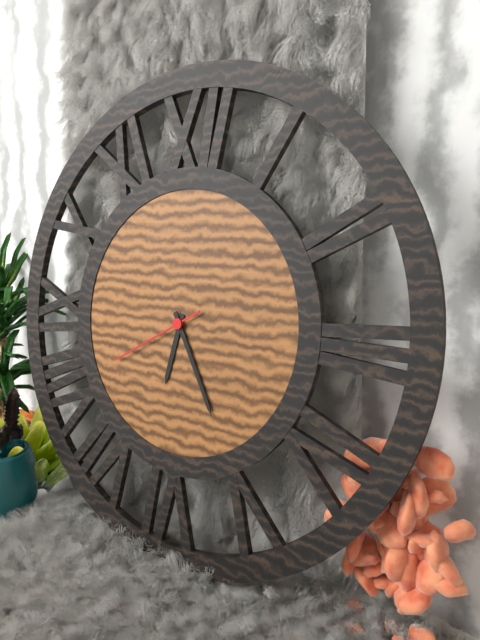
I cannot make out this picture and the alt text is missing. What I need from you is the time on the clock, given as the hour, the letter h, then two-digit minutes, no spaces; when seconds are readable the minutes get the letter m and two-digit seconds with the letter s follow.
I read 6h25m40s
